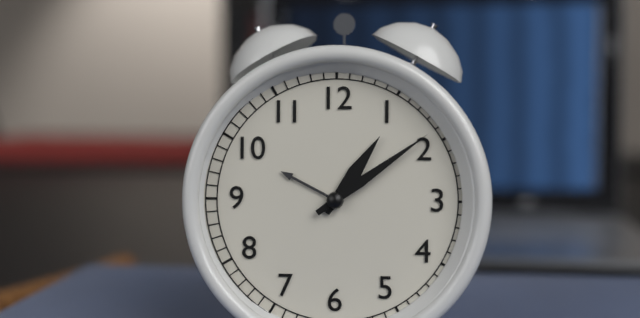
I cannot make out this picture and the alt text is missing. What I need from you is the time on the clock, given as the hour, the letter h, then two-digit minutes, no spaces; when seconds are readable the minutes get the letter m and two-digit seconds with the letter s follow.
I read 1h09
